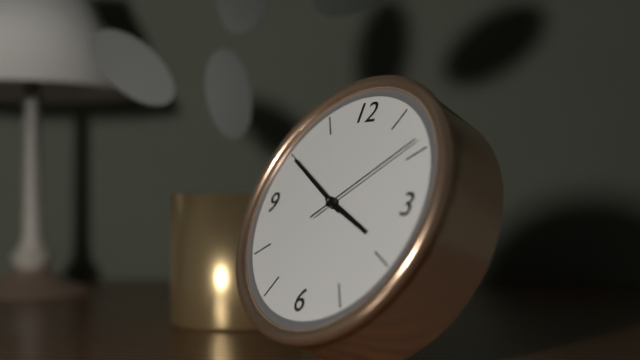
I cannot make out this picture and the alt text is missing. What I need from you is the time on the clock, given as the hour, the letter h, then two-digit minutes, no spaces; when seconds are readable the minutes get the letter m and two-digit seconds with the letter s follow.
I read 3h50m09s
